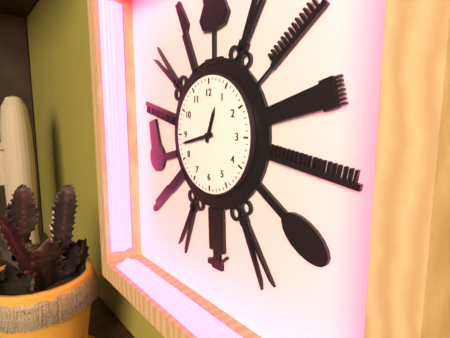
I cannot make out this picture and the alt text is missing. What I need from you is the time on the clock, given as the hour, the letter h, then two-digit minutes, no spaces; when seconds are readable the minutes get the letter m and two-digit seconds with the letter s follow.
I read 12h43
